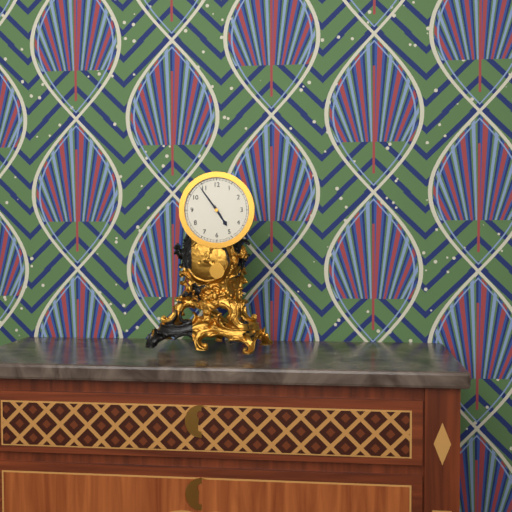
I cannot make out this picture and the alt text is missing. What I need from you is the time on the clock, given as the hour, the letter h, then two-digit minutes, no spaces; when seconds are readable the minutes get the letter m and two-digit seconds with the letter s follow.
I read 4h54
